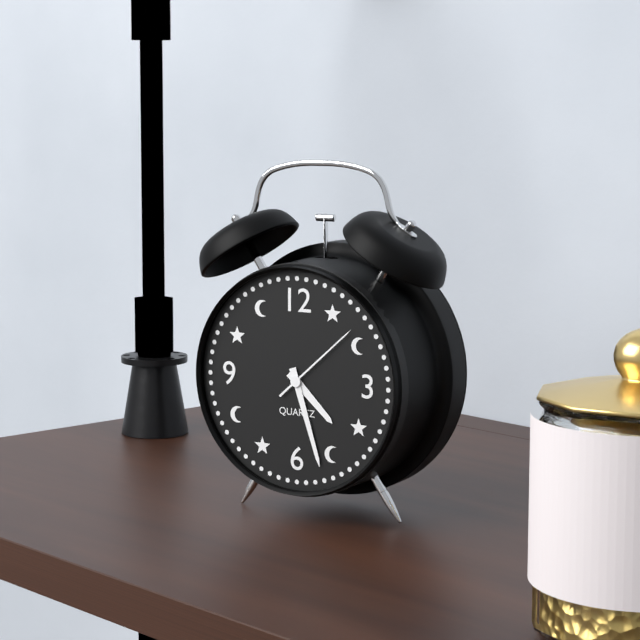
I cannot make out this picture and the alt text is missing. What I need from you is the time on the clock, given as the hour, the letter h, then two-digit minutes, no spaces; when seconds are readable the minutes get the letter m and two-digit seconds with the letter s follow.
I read 4h27m08s
